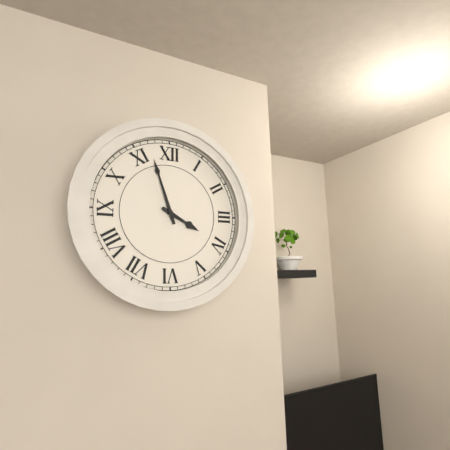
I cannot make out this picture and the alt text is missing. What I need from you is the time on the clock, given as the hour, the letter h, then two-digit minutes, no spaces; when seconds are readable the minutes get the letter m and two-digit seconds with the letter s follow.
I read 3h57
